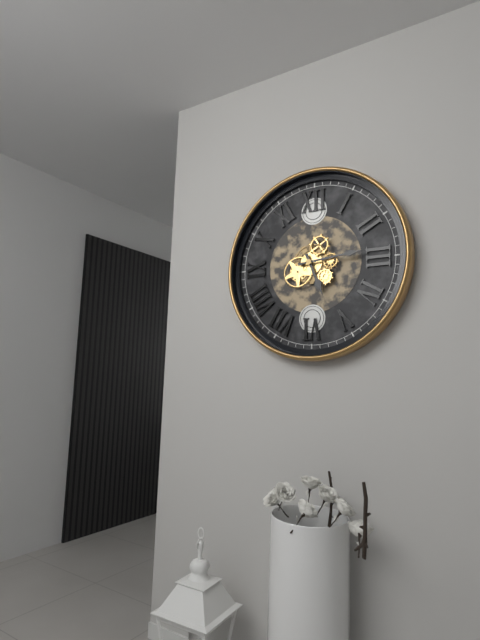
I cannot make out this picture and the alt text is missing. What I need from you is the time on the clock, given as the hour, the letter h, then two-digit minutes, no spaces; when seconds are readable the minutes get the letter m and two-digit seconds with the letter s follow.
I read 5h14
